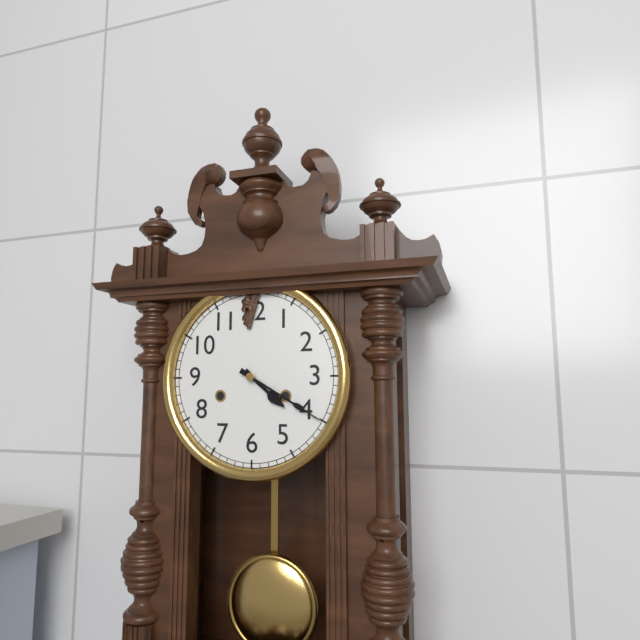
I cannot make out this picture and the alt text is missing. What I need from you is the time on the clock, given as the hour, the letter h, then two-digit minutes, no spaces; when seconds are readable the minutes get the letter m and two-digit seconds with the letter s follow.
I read 4h20
